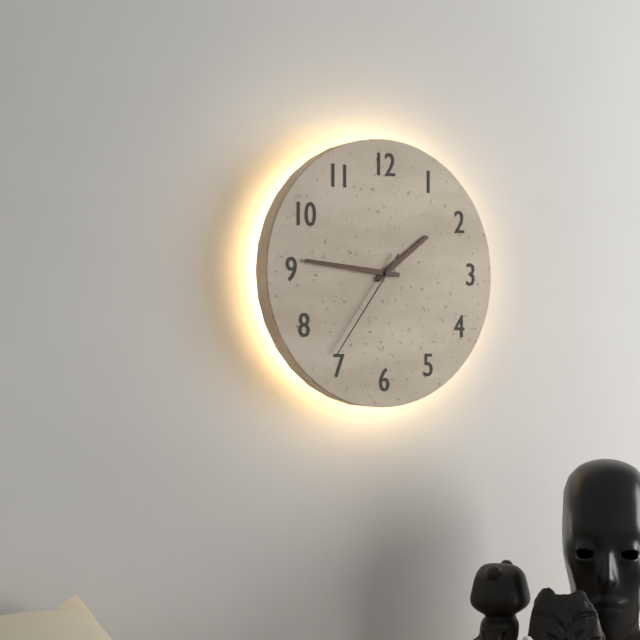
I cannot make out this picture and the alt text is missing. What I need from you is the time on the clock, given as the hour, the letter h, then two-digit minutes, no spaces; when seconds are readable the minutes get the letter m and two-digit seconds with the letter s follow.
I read 1h46m36s
